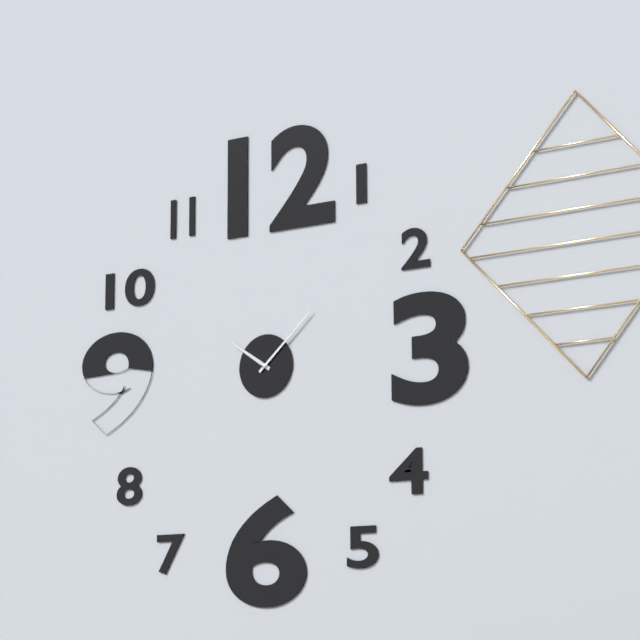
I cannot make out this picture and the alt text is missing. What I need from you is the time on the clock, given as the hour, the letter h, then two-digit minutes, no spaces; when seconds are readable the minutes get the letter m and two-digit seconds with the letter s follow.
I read 10h08
